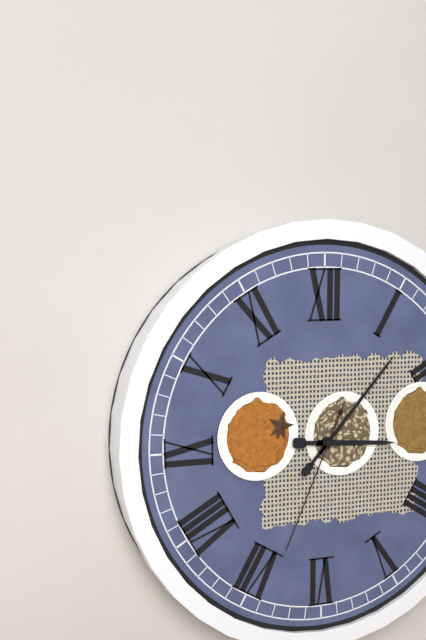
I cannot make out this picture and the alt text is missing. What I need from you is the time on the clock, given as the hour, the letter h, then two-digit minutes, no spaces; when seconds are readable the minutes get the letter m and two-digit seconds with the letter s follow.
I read 3h07m34s
